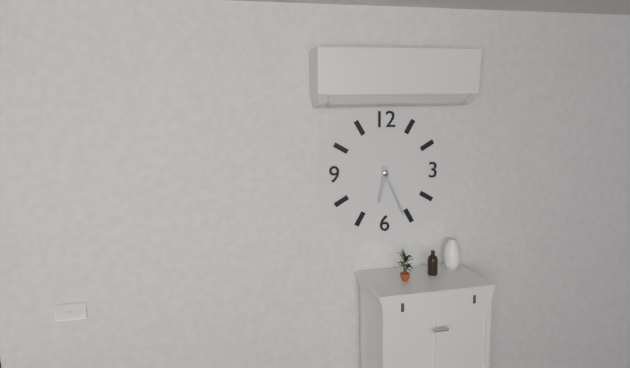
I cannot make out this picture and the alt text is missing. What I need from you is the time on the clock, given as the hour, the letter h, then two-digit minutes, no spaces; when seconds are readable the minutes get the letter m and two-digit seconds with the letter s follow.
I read 6h26
